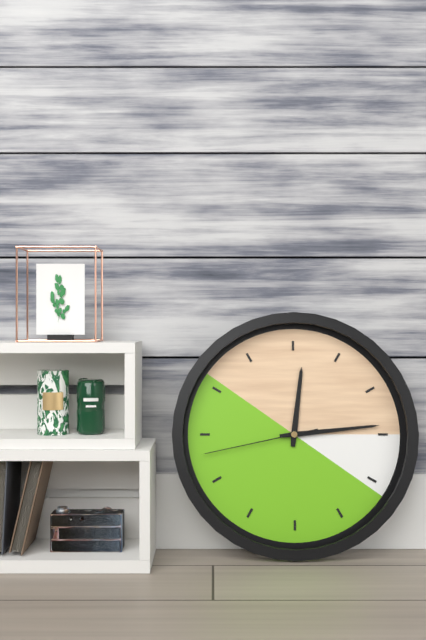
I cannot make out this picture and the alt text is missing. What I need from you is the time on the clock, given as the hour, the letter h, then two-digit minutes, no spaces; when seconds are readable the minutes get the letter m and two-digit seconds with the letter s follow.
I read 12h14m43s
